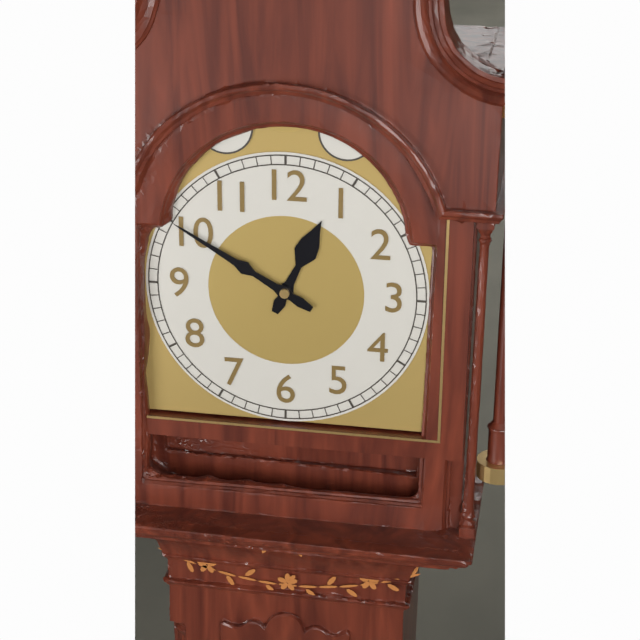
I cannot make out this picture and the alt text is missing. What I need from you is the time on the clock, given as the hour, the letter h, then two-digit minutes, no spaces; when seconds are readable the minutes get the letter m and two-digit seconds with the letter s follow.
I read 12h50
